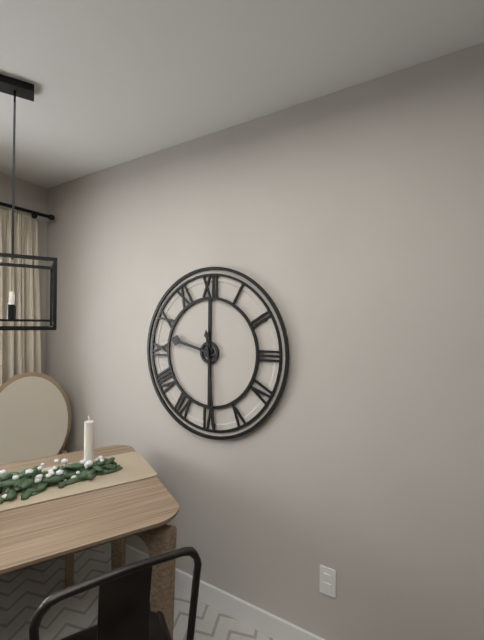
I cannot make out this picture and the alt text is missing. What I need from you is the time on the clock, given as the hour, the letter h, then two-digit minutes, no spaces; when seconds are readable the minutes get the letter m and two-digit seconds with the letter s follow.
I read 9h29
